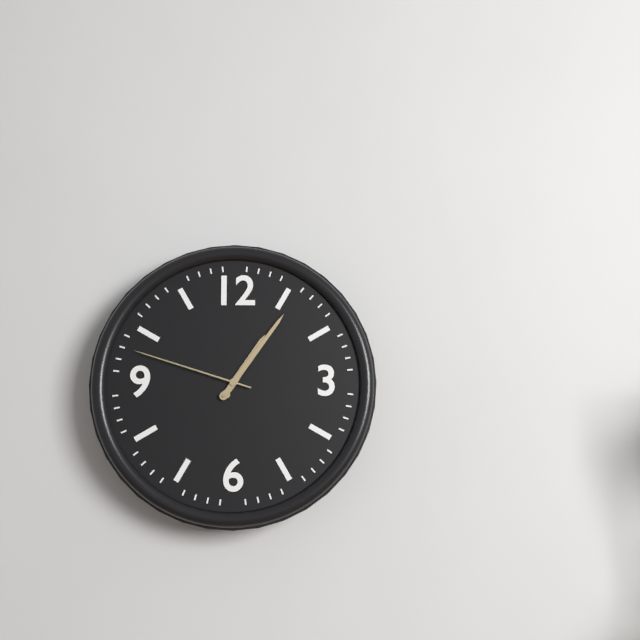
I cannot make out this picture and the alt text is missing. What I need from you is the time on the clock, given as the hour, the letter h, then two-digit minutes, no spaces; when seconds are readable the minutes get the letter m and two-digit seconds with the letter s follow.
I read 1h06m48s
